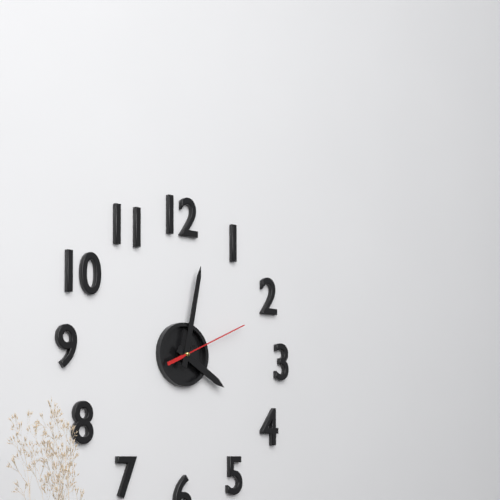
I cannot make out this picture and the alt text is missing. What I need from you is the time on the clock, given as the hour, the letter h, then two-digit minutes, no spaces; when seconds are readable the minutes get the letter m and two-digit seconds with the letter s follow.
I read 4h02m11s
